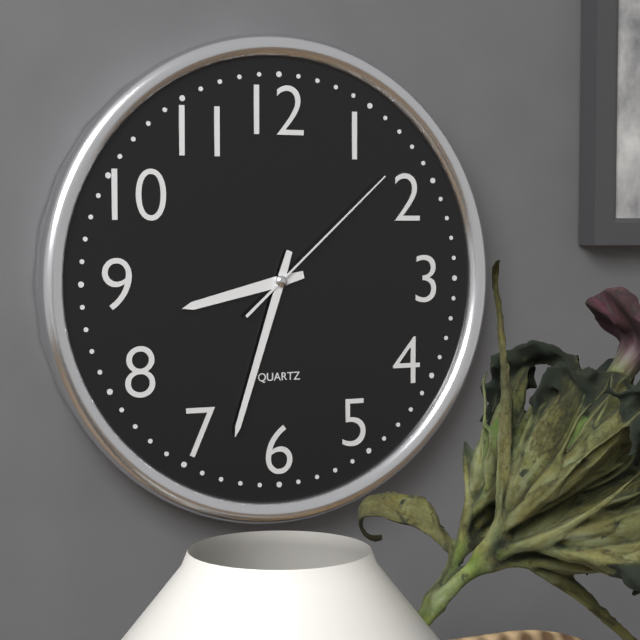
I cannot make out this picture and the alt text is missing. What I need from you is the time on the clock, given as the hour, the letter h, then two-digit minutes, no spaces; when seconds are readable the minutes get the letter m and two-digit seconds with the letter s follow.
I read 8h33m08s
